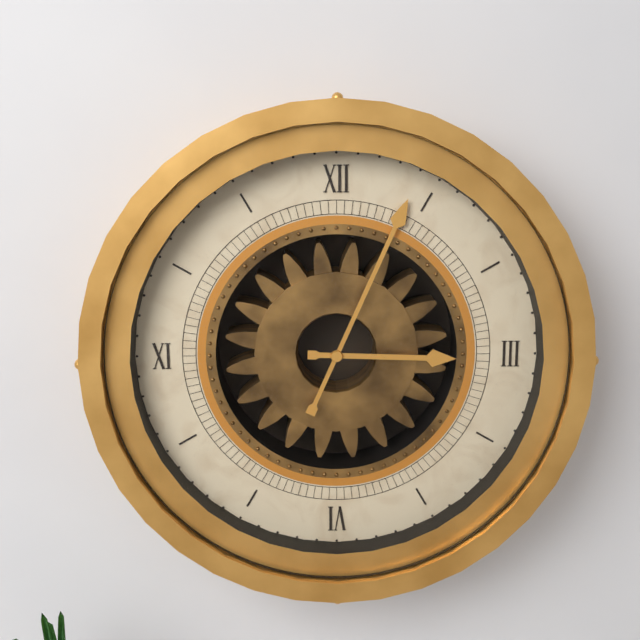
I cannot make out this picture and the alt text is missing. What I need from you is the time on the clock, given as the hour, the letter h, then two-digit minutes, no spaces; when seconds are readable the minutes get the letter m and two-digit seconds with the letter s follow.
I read 3h04
